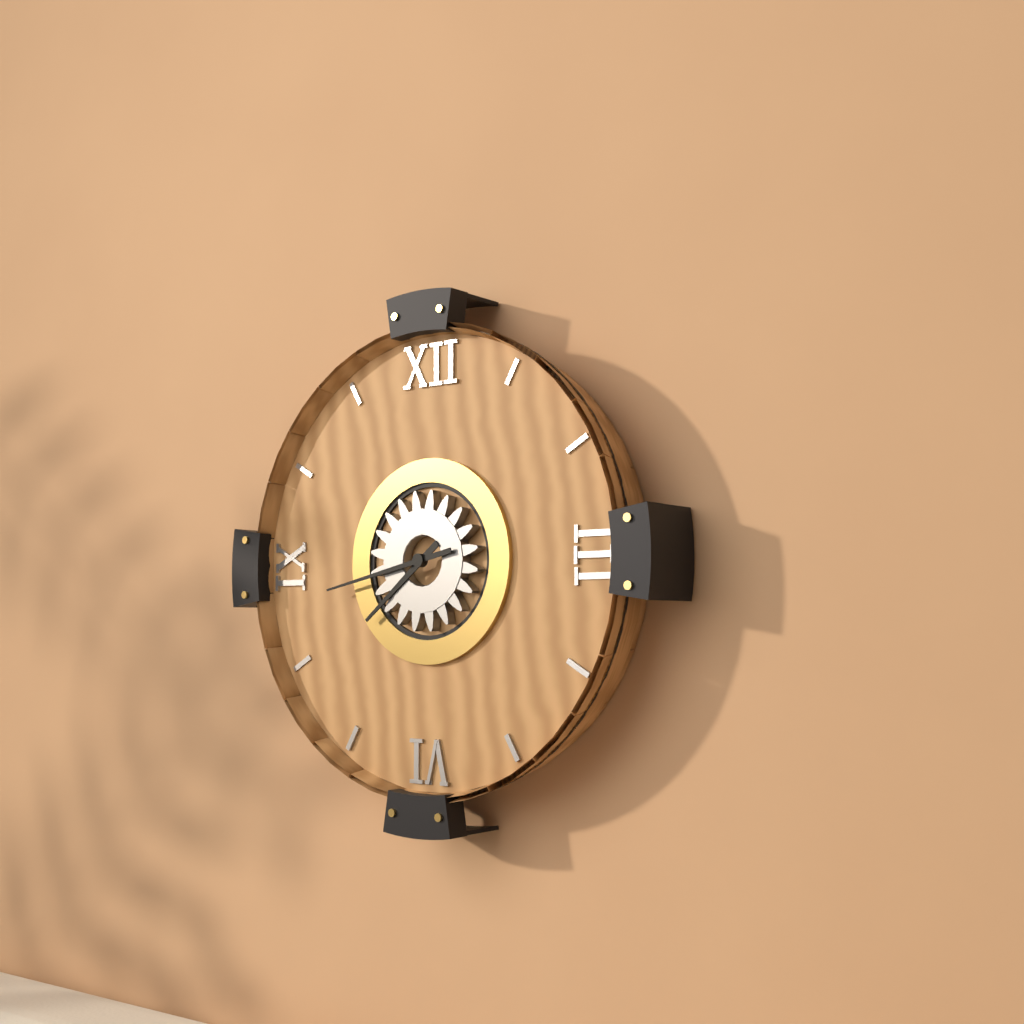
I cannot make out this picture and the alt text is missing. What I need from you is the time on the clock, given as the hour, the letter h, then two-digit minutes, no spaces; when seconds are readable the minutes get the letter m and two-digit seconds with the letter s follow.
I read 7h43
